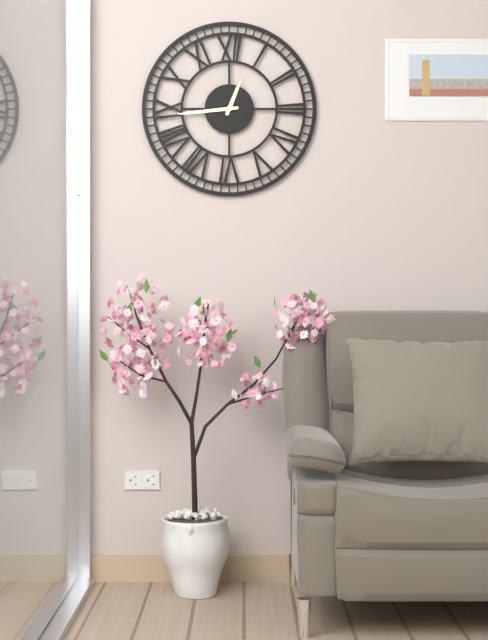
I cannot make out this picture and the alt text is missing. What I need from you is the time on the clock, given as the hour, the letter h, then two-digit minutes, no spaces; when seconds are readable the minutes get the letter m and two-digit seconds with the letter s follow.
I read 12h44
